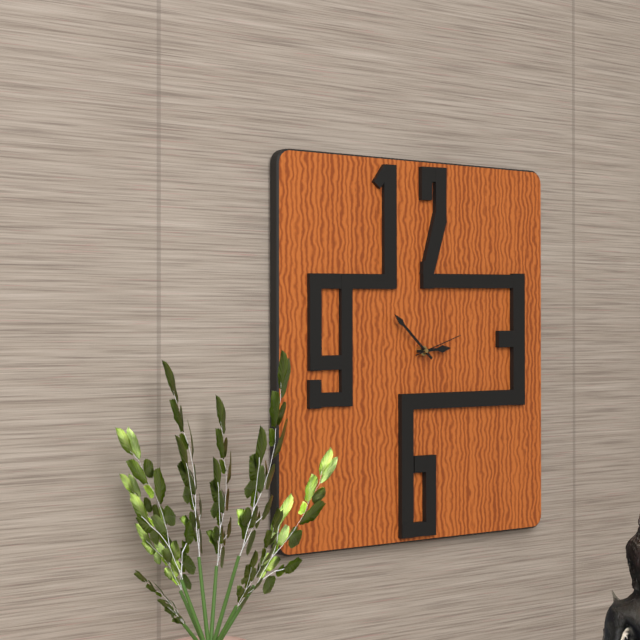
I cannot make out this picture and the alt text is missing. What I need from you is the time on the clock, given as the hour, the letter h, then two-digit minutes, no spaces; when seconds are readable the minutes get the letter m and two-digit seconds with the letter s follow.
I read 2h52m12s
